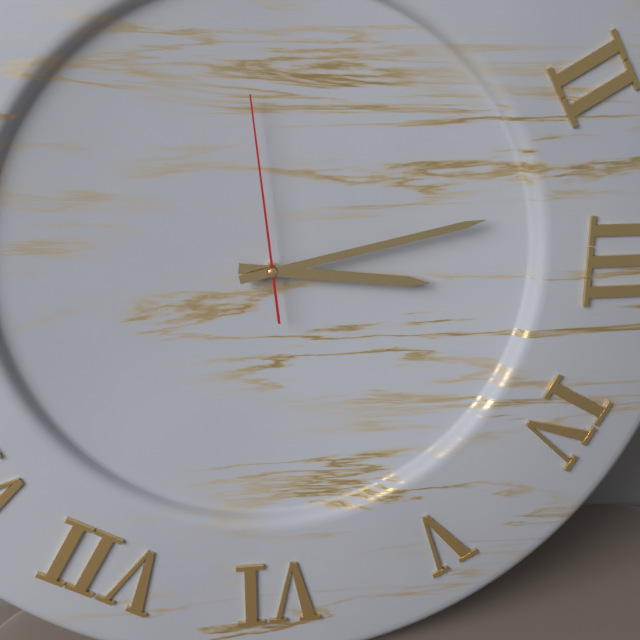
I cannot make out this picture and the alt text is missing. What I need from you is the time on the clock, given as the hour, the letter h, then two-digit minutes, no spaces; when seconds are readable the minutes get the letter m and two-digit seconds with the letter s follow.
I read 3h13m59s
